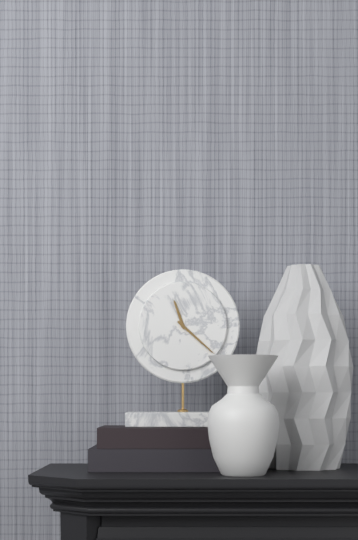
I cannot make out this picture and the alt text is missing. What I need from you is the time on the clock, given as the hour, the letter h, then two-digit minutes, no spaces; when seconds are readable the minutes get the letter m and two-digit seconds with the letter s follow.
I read 11h22
